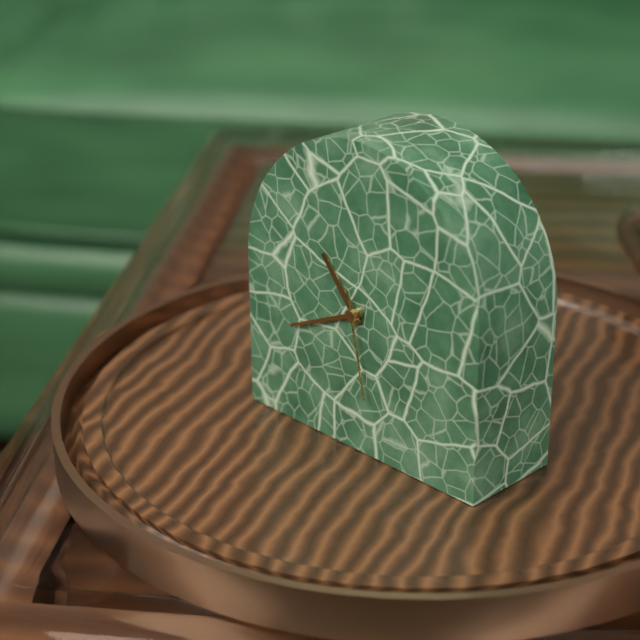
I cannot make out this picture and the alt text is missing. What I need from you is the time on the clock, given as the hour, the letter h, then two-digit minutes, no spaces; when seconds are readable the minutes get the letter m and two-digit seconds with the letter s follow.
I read 10h41m28s
